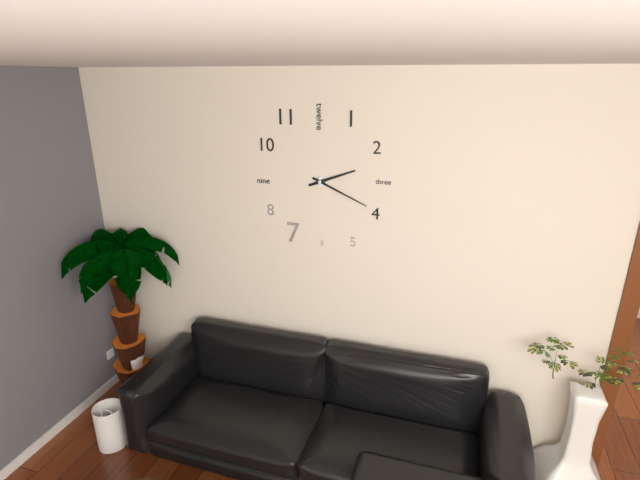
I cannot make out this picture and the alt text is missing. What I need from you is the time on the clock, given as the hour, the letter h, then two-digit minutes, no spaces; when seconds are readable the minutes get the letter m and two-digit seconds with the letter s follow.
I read 2h19
